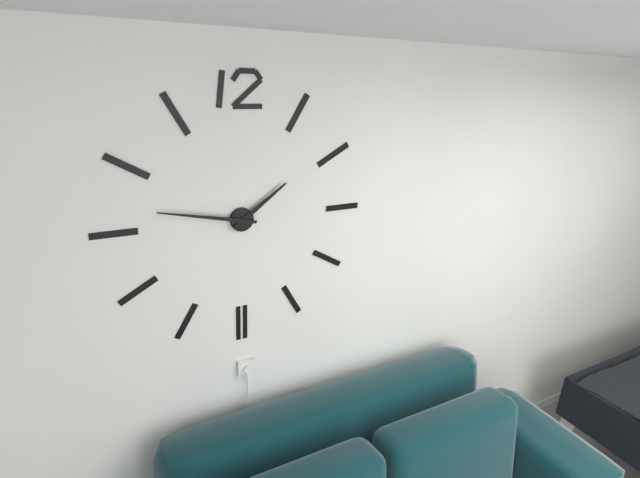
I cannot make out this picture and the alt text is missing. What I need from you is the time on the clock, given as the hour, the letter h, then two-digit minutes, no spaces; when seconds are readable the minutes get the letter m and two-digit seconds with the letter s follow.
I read 1h47
